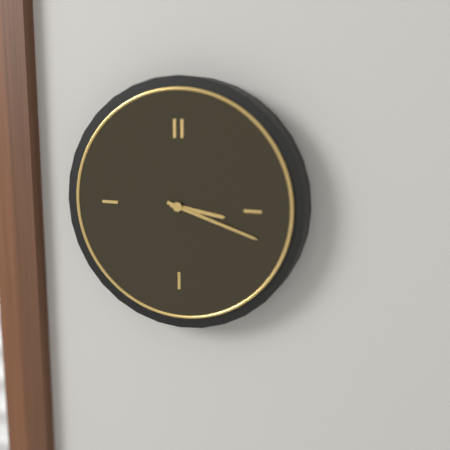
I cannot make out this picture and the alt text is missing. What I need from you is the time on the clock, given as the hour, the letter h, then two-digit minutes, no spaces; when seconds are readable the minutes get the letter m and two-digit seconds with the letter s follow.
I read 3h18
